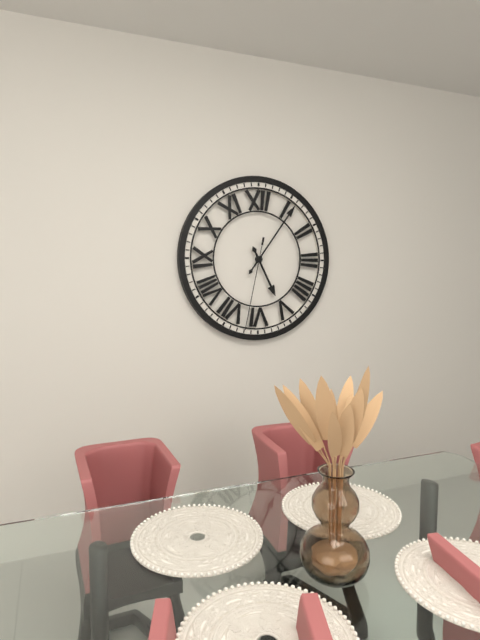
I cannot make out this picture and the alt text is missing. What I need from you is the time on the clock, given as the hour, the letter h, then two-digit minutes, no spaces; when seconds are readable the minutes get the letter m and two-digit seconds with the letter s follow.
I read 5h06m32s
